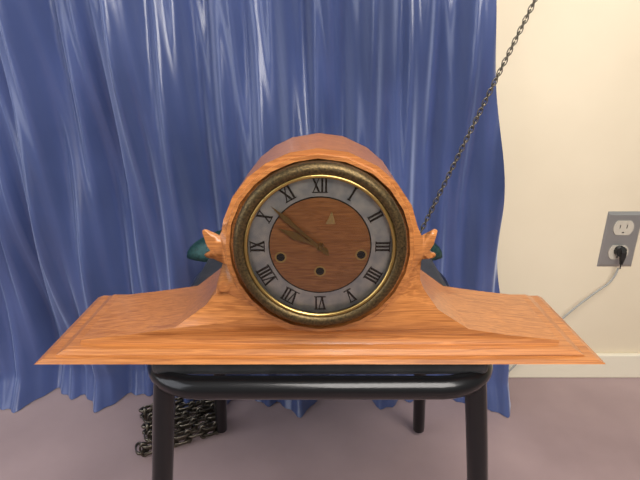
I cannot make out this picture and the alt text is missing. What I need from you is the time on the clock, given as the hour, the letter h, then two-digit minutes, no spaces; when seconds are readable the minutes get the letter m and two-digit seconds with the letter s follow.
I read 9h52
